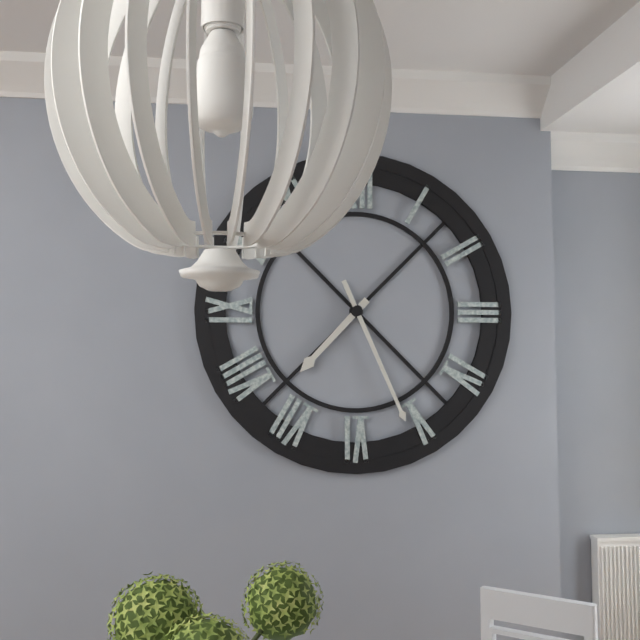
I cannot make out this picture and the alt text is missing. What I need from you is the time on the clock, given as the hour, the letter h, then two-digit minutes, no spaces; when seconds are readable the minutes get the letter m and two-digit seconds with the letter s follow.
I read 7h26
